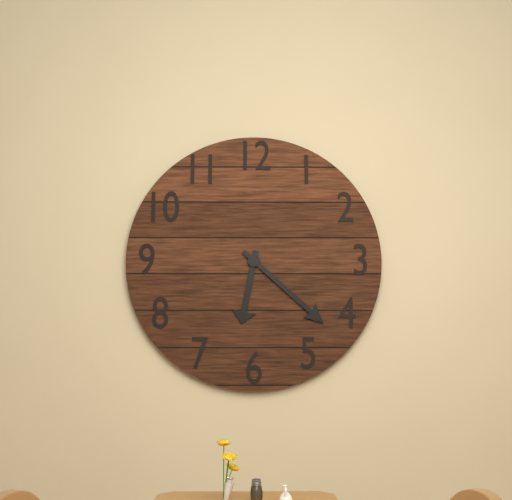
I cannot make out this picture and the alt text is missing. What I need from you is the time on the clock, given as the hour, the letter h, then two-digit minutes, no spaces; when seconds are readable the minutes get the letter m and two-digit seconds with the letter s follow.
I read 6h22
